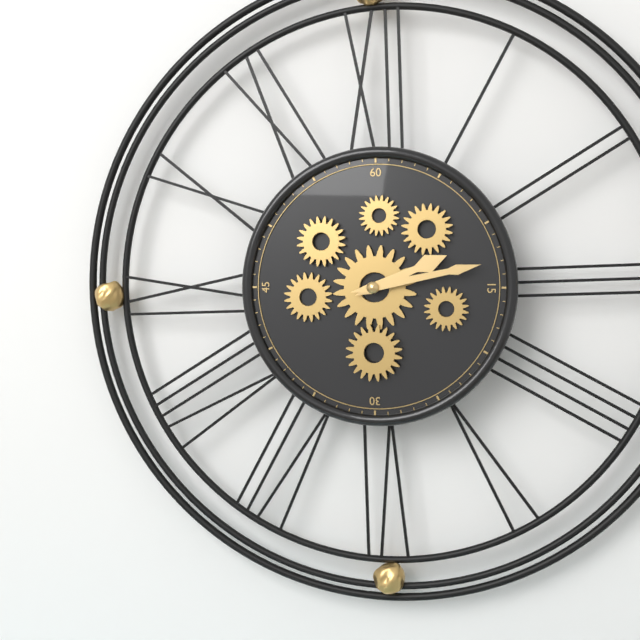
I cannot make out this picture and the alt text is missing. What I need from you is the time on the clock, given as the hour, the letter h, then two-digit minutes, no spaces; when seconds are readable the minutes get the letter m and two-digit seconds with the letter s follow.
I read 2h13
